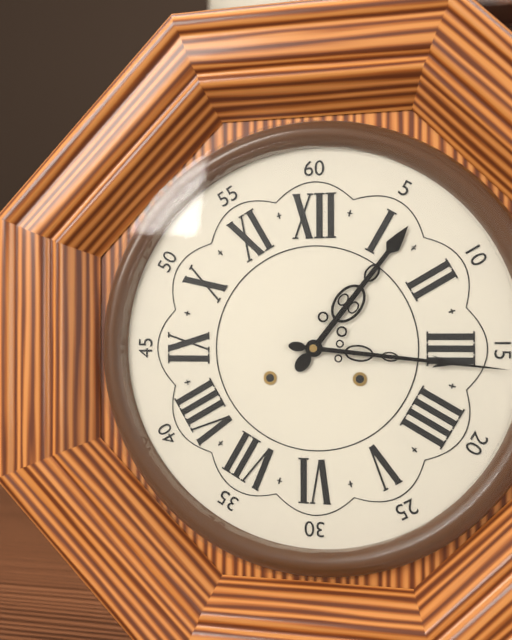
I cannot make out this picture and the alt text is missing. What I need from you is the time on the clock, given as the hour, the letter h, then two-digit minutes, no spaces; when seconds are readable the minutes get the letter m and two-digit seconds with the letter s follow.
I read 1h16
